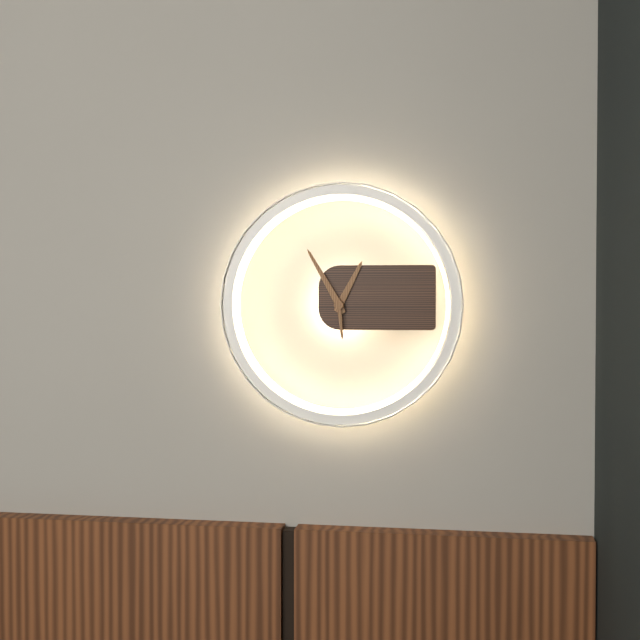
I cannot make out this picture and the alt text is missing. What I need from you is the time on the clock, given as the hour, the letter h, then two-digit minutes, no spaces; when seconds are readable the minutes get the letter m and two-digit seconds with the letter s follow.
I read 12h55
